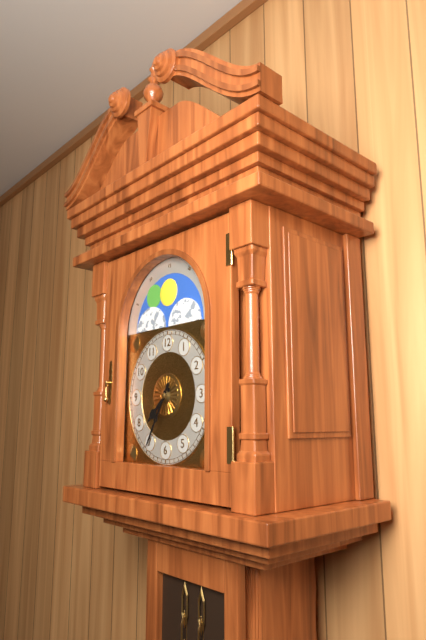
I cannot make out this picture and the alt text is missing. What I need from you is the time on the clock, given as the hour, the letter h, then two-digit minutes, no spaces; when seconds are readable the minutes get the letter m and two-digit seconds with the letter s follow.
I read 7h35
